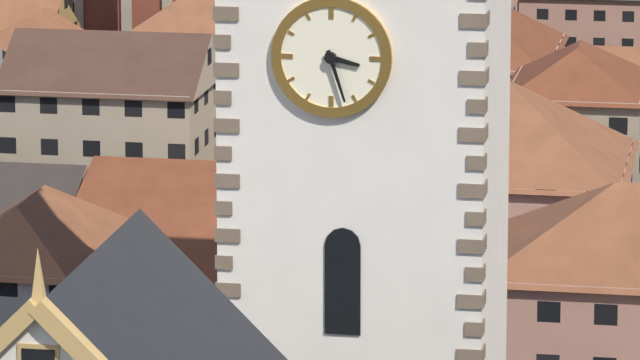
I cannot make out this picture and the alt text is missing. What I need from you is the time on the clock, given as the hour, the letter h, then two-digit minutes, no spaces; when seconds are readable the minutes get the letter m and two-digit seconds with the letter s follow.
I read 3h27
